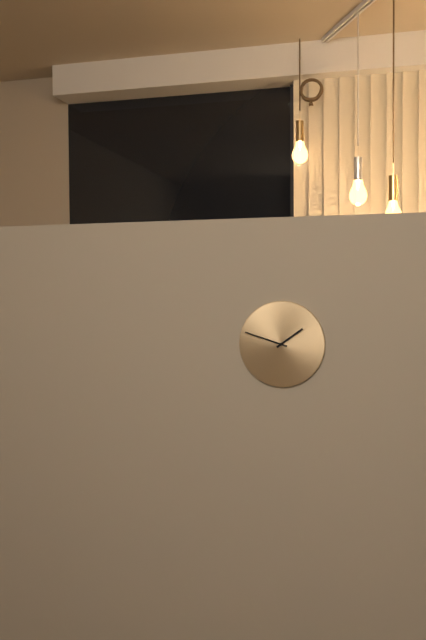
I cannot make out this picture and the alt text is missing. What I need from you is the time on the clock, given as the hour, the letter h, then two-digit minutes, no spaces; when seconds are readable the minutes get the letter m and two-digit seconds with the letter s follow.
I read 1h48
